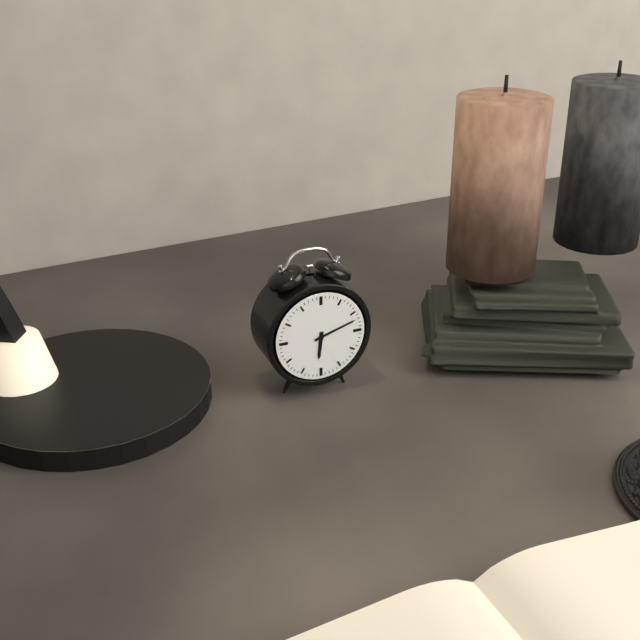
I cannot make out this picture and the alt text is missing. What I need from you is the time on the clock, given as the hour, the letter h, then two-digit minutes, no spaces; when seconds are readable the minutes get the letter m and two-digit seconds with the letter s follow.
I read 6h12
